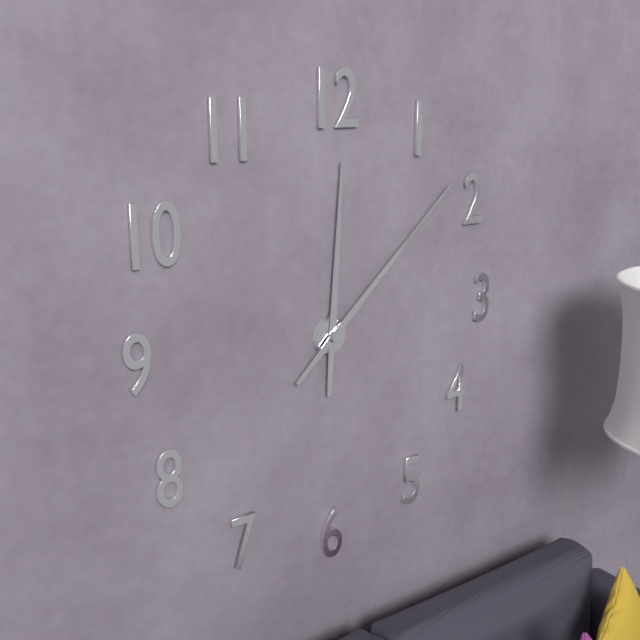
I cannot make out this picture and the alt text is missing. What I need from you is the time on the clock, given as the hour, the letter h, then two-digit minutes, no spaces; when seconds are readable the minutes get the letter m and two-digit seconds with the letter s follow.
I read 12h08
